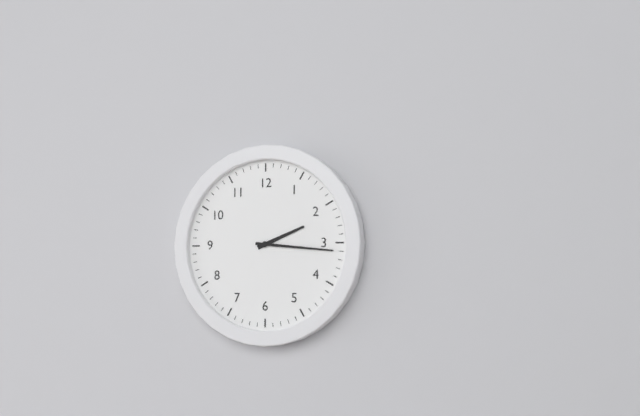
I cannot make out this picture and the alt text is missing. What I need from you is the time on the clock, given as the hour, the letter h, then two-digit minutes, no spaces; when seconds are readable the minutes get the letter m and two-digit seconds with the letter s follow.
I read 2h16
